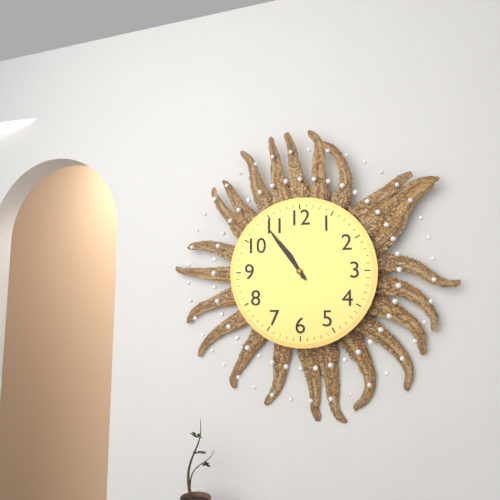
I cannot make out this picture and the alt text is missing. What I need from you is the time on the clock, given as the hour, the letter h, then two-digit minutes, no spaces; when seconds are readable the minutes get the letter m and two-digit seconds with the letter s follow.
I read 10h54
